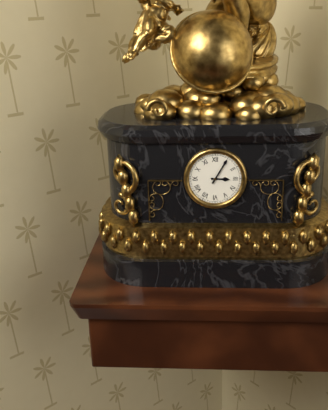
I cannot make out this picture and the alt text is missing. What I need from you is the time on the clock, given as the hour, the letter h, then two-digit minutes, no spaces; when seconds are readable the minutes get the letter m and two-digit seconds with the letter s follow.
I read 3h05
